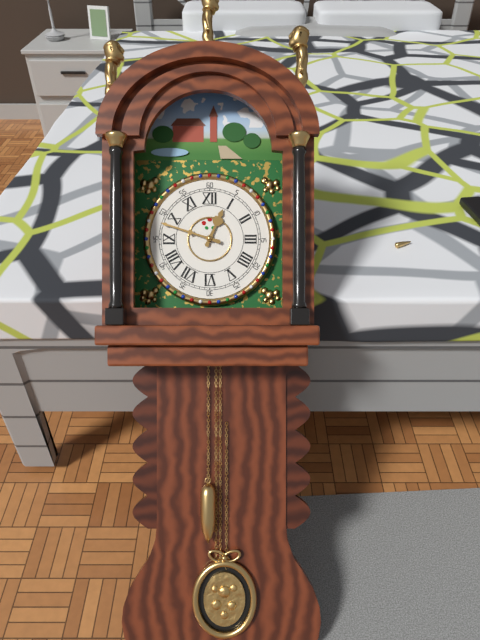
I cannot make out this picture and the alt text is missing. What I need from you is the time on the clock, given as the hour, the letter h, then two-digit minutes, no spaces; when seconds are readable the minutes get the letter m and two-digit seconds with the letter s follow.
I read 12h48
